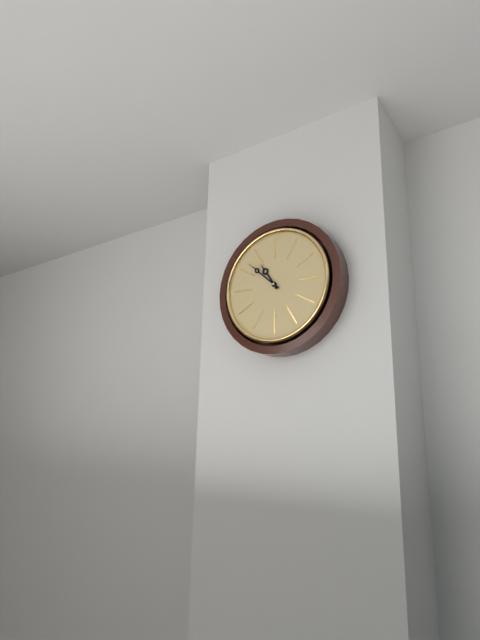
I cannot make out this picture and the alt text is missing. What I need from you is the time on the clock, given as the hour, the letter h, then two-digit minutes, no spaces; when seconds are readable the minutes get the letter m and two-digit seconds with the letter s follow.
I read 10h52
